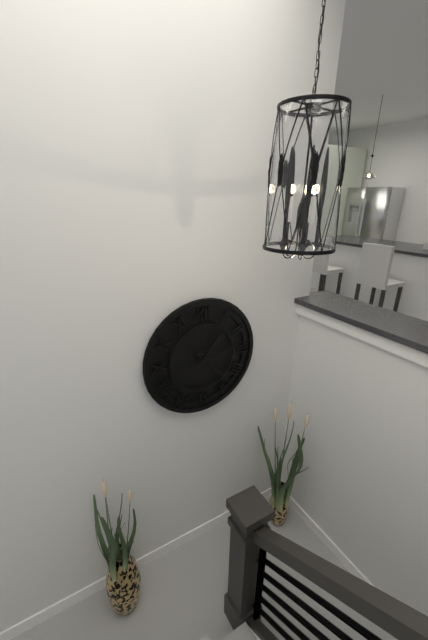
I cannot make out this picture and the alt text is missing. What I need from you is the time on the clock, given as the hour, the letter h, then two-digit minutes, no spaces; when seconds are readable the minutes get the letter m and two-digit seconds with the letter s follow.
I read 1h23m13s
